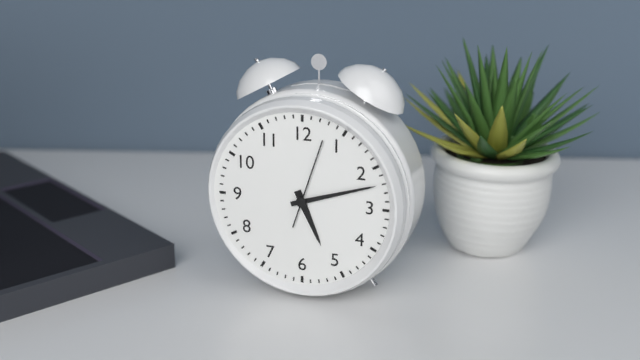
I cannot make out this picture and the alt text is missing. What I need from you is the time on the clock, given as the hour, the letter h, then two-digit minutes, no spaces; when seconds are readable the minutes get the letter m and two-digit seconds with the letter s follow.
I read 5h12m03s
